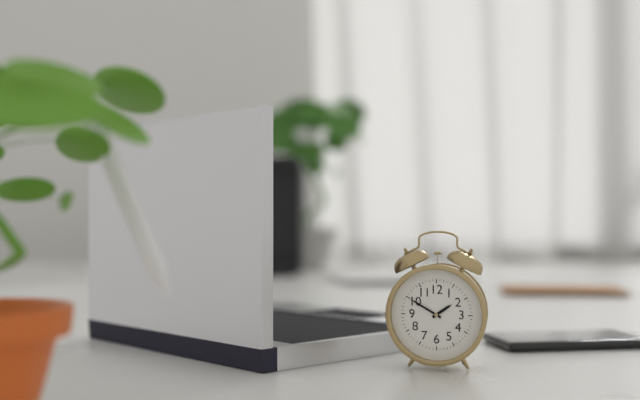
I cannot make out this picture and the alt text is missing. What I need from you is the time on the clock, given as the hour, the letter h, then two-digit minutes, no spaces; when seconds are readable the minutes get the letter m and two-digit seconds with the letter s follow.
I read 1h50
